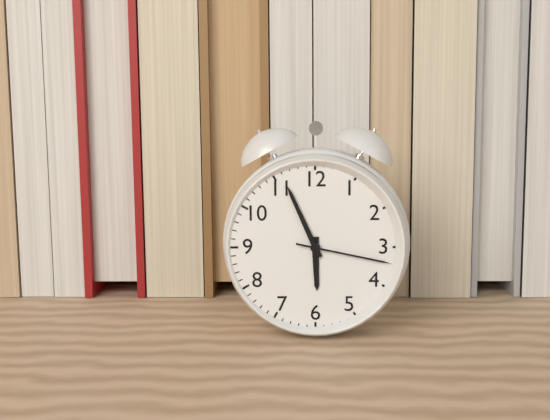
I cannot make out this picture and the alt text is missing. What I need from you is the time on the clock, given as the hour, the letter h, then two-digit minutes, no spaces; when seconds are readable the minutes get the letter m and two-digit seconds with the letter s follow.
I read 5h56m17s
